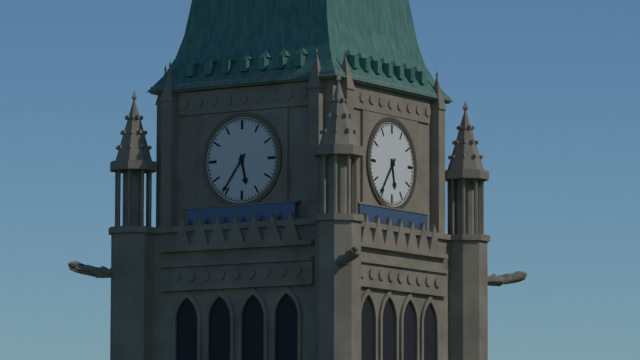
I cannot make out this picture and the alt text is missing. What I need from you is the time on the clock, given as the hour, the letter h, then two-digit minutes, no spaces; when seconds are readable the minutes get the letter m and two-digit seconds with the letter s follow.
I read 5h36
